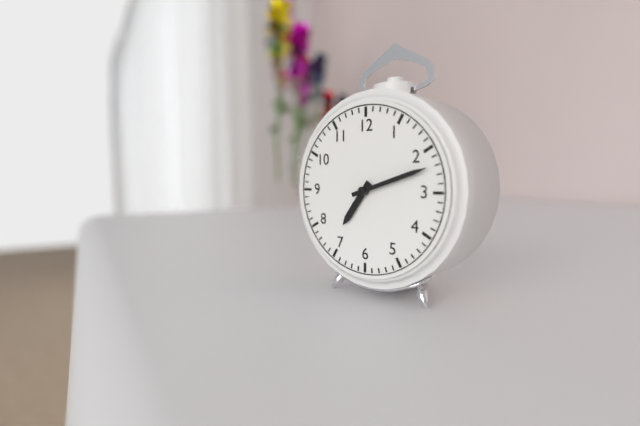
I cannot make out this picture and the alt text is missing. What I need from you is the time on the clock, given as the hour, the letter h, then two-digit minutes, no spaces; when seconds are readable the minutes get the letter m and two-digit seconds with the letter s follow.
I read 7h12
